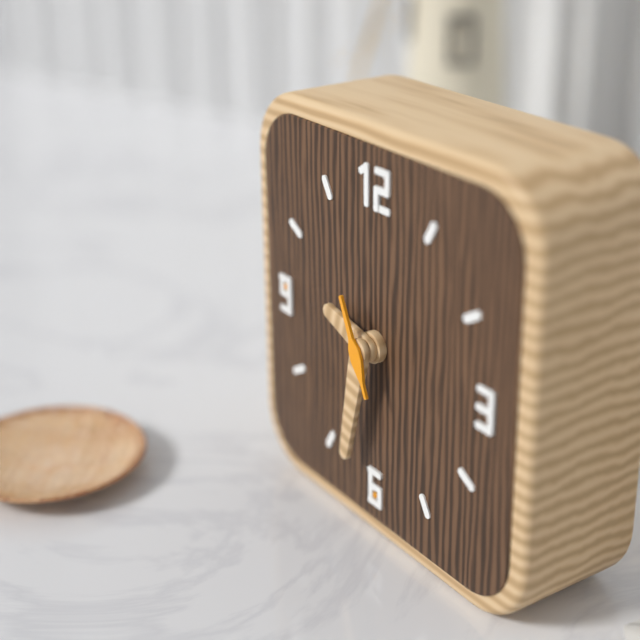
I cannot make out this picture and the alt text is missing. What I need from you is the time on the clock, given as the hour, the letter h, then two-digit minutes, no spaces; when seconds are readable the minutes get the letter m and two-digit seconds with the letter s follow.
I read 9h32m56s
